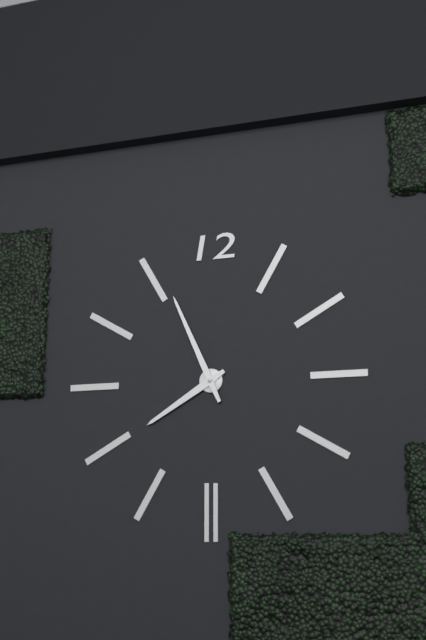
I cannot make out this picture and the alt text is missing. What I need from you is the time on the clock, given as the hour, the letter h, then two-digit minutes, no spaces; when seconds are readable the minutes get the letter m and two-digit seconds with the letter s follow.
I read 7h56
